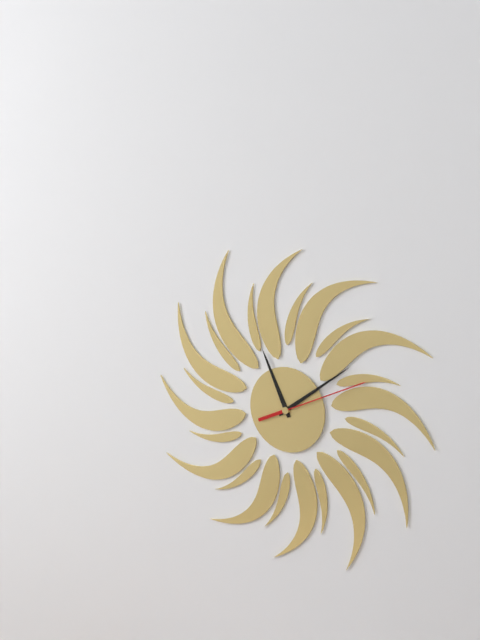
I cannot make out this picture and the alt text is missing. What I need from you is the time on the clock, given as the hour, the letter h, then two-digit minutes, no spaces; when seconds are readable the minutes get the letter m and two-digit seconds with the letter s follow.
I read 11h09m11s
